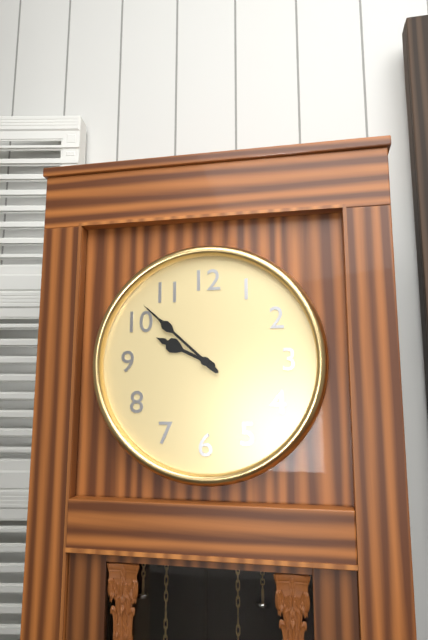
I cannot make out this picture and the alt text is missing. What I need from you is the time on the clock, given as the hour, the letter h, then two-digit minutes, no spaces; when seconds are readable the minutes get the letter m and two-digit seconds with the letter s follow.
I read 9h52
